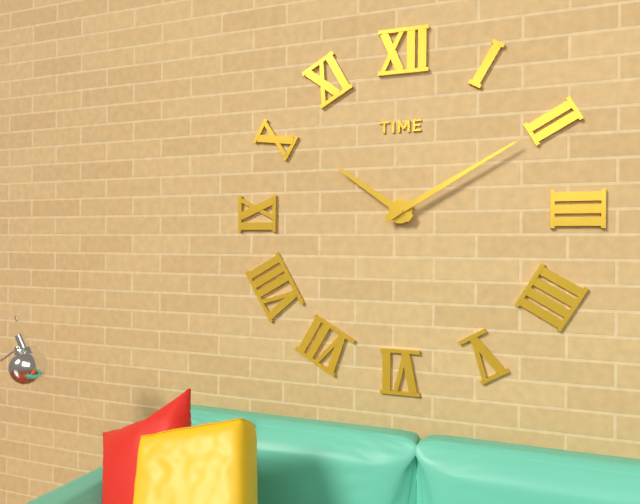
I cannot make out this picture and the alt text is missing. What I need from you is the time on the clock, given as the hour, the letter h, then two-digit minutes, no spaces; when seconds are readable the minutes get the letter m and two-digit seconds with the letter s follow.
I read 10h10
